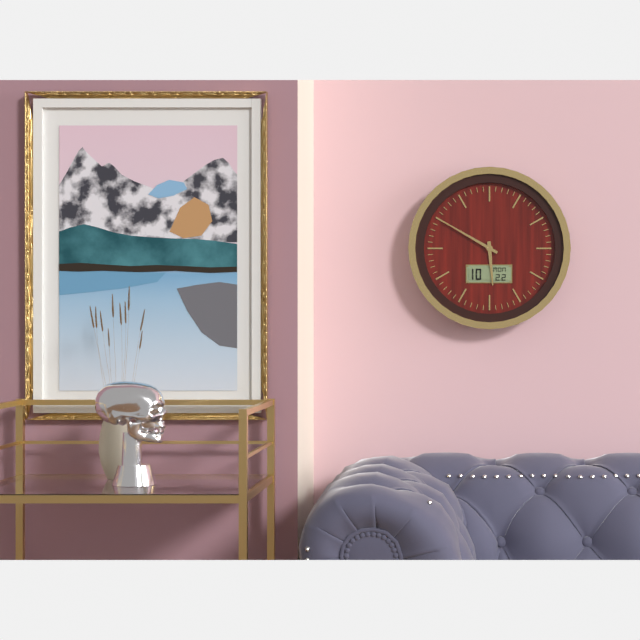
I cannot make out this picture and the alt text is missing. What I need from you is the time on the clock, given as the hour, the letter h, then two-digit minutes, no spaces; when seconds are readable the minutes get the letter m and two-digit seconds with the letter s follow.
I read 5h50
